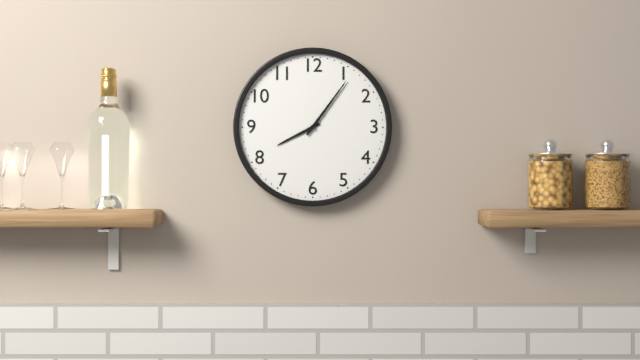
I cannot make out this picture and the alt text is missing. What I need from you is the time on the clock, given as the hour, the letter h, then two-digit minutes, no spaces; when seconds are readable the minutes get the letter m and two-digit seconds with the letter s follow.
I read 8h06
